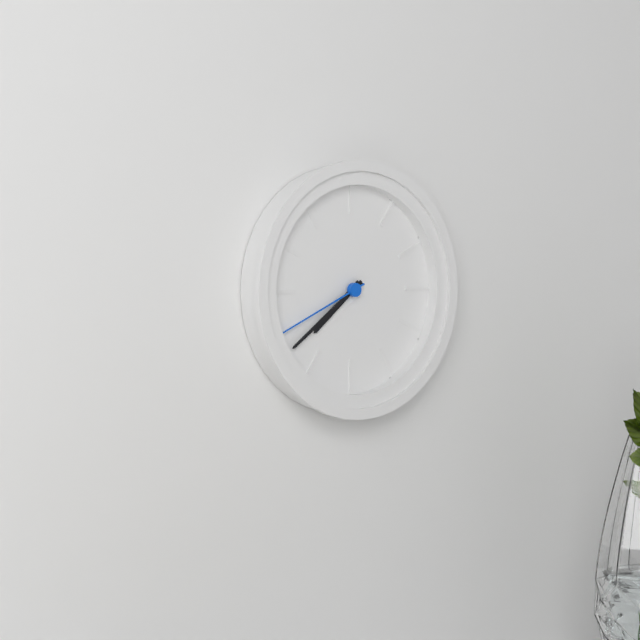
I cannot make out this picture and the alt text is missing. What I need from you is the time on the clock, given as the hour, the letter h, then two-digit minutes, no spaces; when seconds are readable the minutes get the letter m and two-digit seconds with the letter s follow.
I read 7h39m41s
